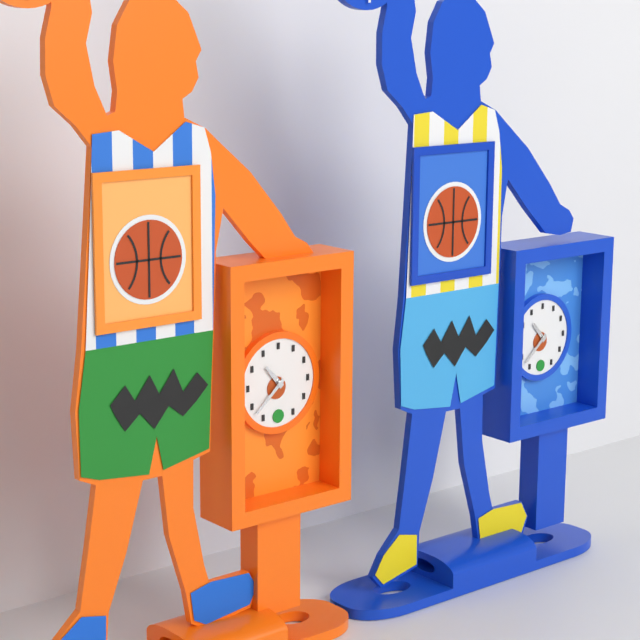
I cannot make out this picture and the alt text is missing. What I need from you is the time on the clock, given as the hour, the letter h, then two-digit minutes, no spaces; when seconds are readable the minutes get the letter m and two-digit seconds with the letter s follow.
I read 10h38
